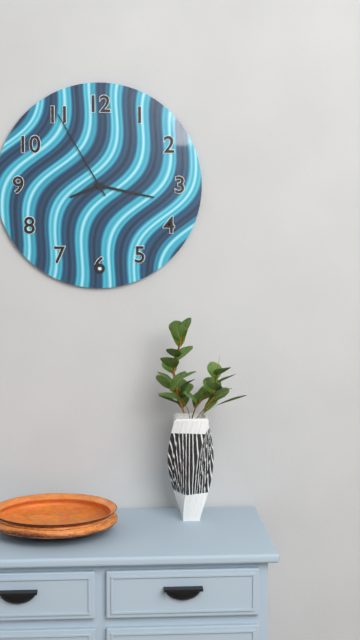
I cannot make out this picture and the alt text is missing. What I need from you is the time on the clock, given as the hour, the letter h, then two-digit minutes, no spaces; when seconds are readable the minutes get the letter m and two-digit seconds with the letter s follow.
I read 8h17m55s
